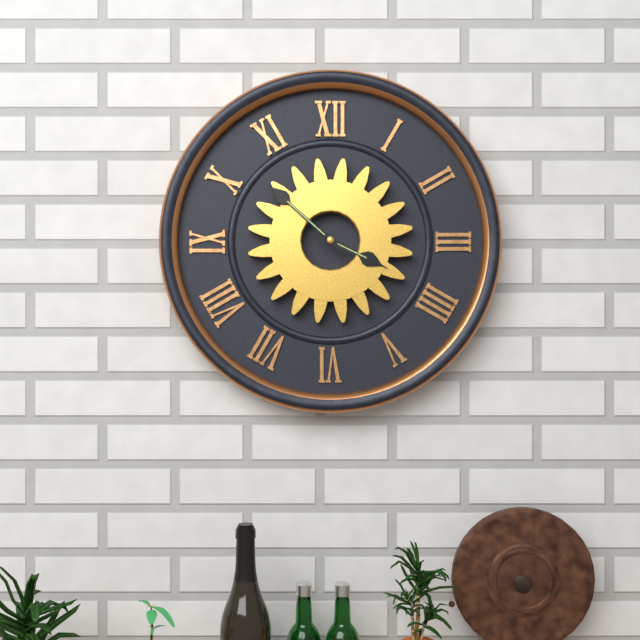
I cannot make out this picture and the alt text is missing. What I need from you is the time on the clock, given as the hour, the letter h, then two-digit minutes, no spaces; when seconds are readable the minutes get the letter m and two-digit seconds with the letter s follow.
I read 3h52
